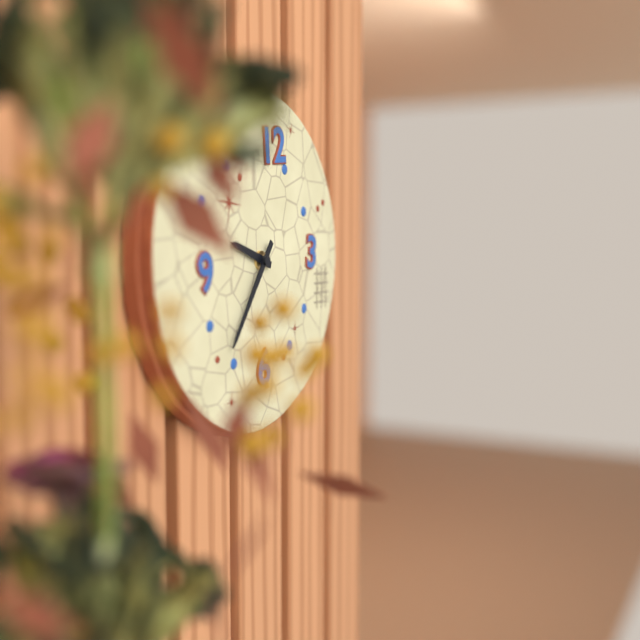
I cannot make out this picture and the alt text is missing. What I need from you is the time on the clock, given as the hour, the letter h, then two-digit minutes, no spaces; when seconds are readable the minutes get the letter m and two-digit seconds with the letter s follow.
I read 9h36
